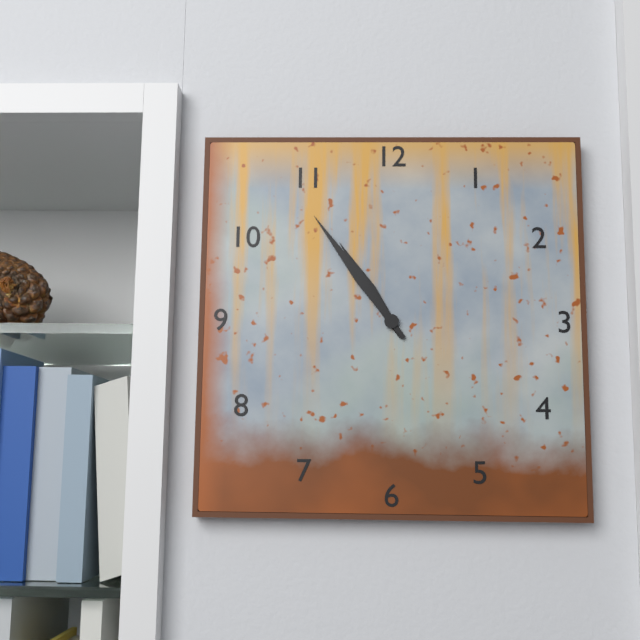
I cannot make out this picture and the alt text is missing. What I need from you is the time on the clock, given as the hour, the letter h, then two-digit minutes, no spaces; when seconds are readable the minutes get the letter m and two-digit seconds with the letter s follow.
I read 10h54
